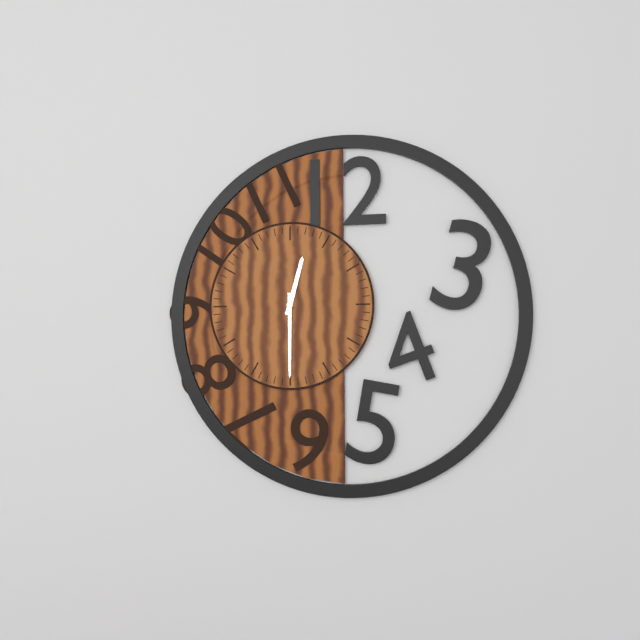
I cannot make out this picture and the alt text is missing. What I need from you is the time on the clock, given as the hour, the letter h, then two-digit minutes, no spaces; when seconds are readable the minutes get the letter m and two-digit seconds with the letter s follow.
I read 12h30
